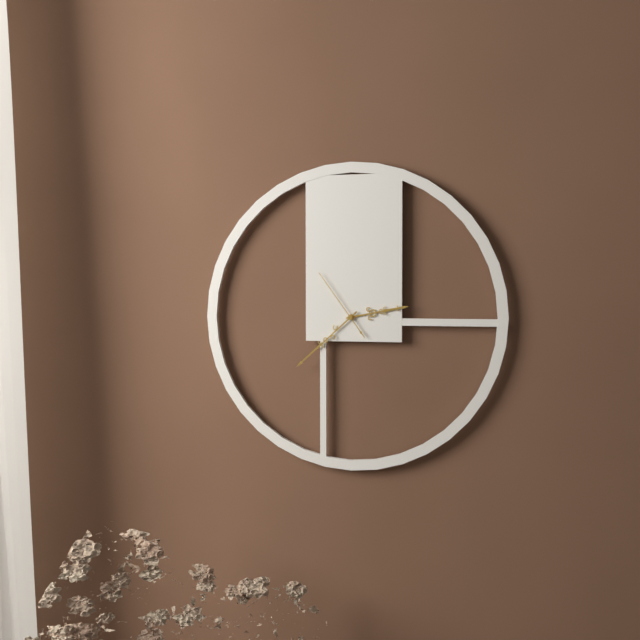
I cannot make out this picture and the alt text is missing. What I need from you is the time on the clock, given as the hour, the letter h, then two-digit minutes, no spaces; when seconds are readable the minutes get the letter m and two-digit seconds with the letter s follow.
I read 2h38m54s
